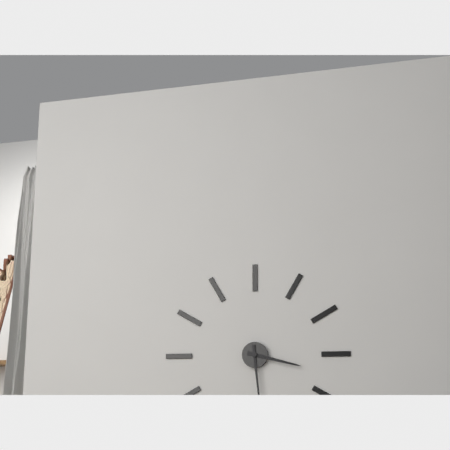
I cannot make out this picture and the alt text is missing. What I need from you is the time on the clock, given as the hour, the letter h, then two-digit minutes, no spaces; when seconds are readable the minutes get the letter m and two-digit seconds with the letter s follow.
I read 3h29
